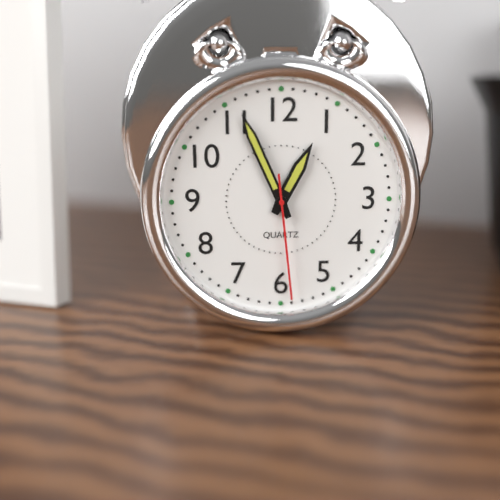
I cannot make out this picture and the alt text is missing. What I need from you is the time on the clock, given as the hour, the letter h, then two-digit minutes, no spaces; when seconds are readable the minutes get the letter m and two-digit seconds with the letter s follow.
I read 12h56m29s
